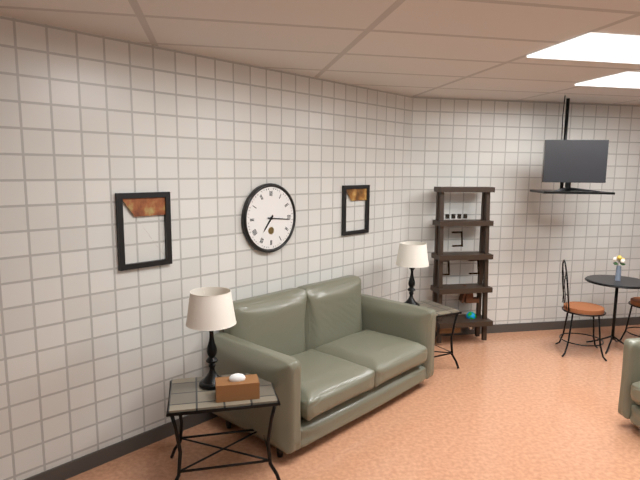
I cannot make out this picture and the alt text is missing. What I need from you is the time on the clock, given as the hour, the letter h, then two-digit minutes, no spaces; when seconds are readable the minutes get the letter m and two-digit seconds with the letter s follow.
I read 7h16
